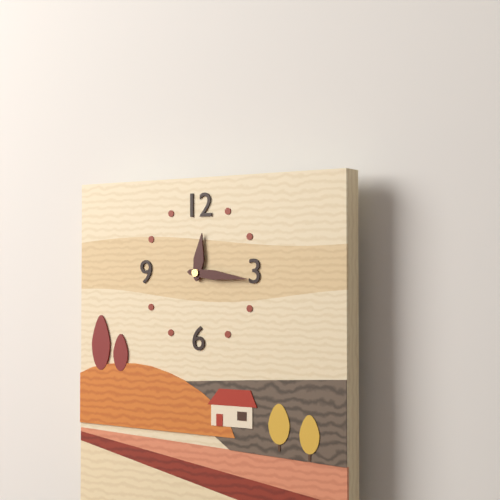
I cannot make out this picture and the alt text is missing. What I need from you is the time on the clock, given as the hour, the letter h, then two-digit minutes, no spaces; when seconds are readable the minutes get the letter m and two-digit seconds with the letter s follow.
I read 12h16
